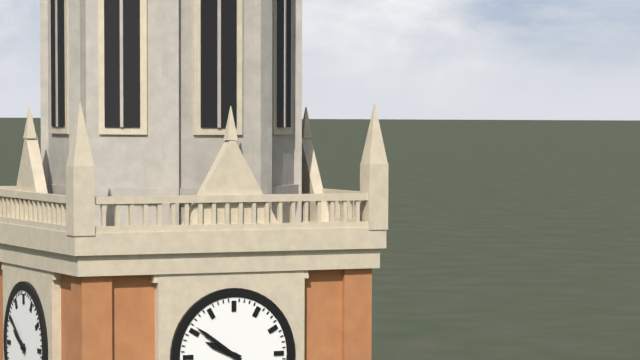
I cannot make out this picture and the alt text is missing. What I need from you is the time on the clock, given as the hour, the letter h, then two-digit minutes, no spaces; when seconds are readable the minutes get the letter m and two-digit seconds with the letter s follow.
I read 9h51
